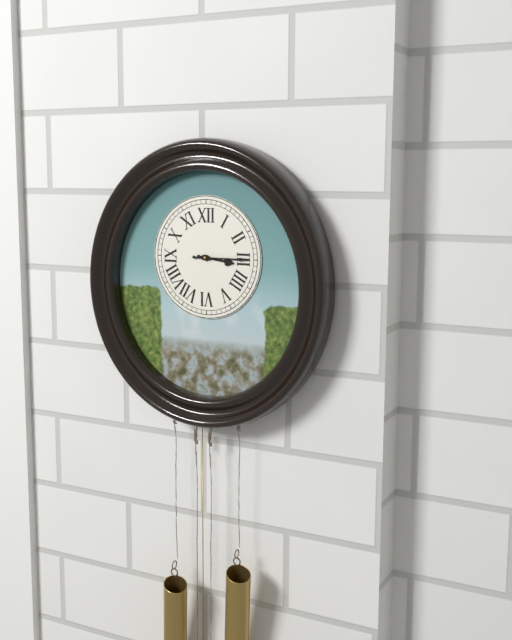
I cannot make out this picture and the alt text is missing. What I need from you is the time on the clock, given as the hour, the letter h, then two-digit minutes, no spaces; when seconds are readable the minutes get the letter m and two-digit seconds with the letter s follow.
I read 3h15
